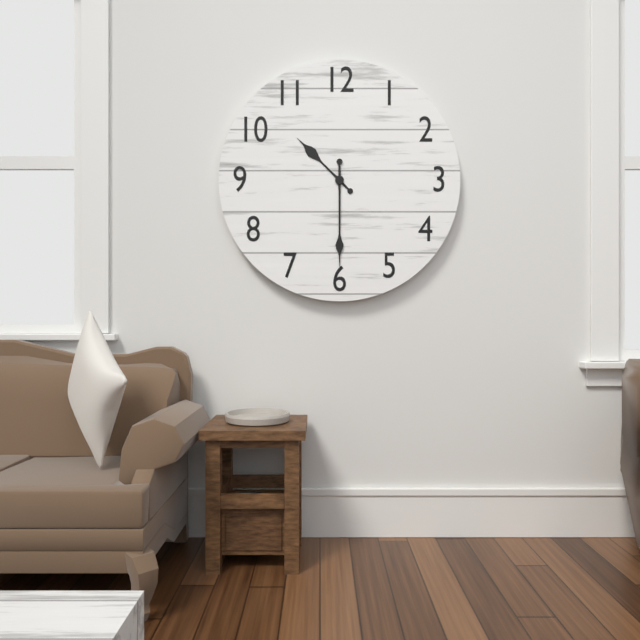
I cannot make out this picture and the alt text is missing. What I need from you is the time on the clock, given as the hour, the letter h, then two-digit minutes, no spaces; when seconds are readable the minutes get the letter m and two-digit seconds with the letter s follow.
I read 10h30
